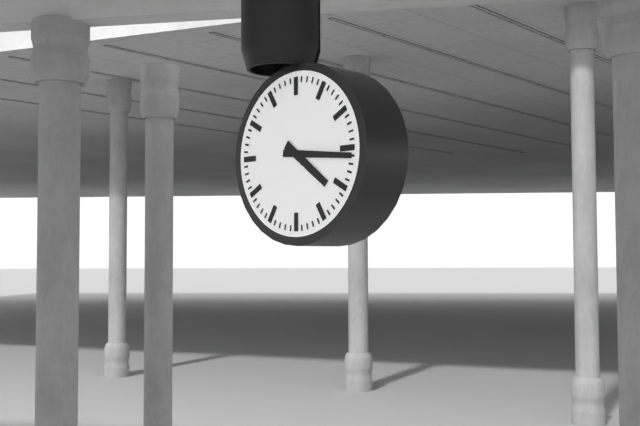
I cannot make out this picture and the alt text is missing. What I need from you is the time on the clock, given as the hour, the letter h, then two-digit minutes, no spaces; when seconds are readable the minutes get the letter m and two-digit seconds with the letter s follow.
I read 4h16
